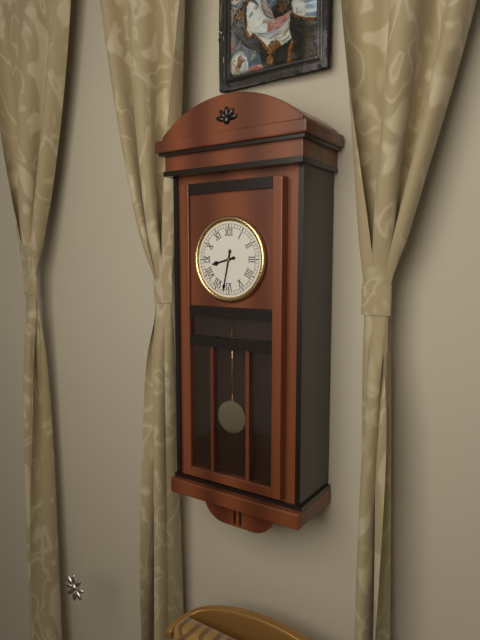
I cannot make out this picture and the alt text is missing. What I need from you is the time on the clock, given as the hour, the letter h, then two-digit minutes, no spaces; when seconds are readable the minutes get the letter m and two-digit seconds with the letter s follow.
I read 8h32
